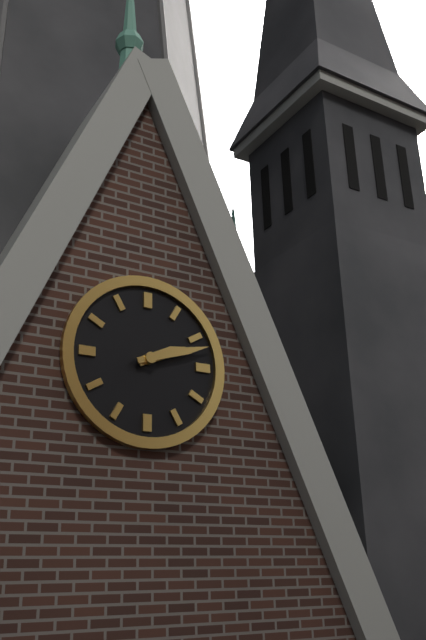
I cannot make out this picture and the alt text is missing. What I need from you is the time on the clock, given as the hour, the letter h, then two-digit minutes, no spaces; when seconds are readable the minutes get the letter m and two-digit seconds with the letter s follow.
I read 2h12
